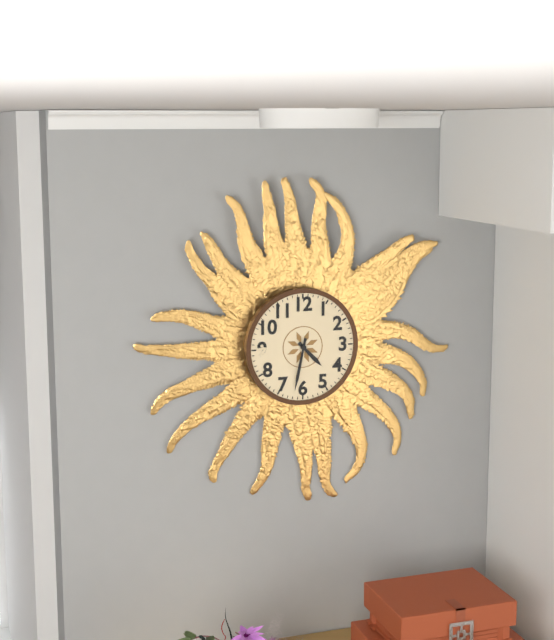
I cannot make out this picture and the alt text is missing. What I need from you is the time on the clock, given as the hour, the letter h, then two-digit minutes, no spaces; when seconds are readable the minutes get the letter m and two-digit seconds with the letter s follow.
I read 4h32
